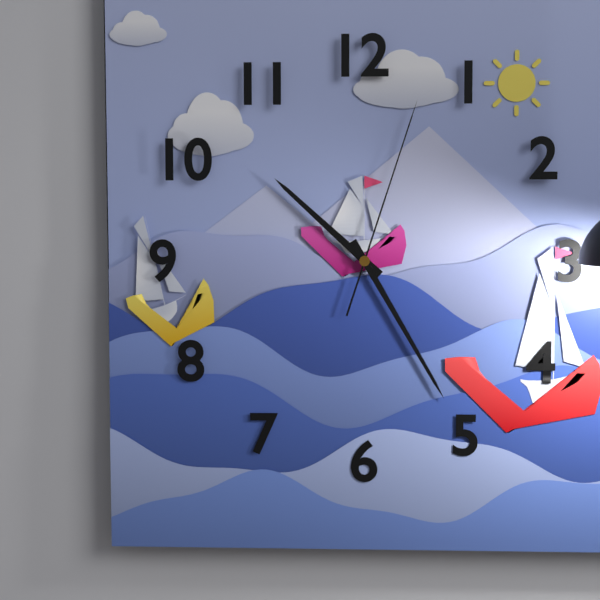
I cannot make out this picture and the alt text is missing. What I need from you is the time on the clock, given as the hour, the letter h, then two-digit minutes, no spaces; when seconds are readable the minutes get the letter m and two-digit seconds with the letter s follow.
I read 10h25m03s
